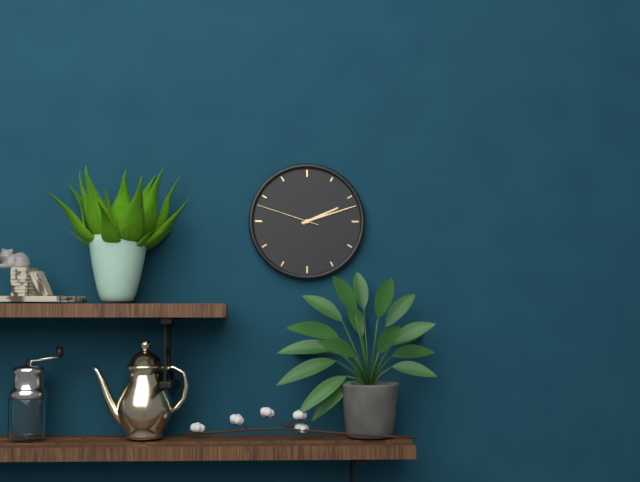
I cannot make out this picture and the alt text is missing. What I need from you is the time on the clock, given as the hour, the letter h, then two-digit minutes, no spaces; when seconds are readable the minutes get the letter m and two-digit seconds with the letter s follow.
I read 2h12m48s
